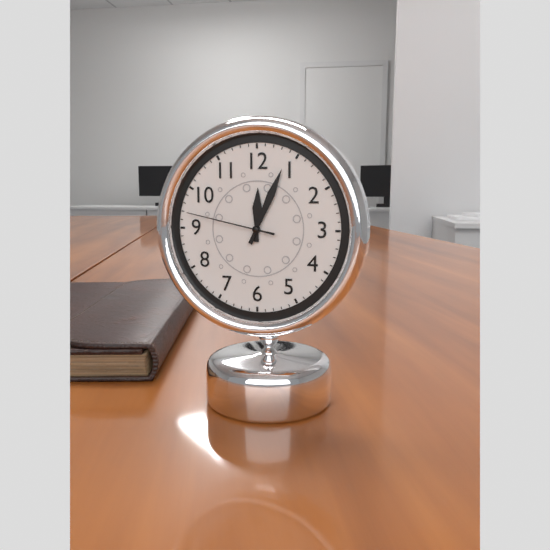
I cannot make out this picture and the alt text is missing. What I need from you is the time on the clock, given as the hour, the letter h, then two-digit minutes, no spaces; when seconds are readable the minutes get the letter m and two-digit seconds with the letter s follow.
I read 12h04m47s
